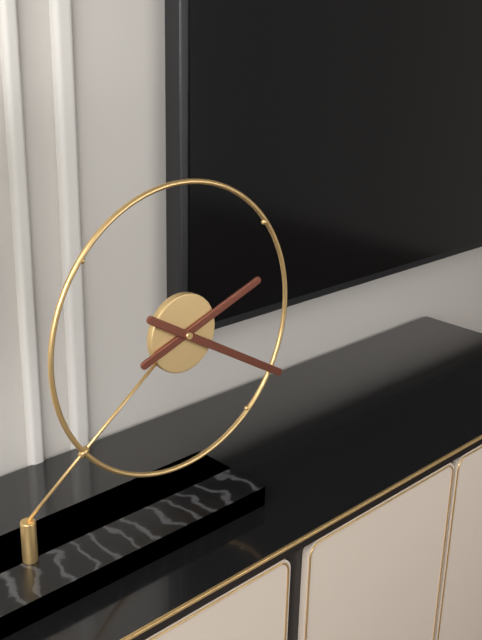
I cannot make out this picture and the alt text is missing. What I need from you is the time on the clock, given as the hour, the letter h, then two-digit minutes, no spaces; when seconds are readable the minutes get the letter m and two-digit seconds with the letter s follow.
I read 2h20
